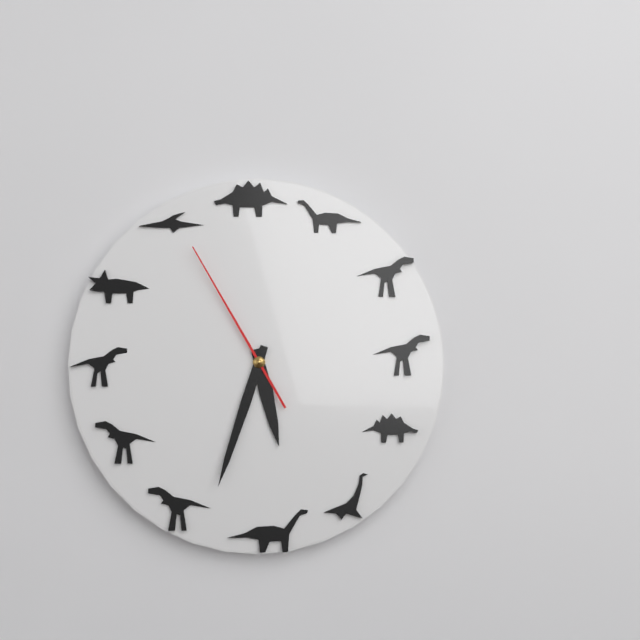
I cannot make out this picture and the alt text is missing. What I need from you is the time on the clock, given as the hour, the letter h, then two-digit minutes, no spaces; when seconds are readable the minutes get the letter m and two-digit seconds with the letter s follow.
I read 5h33m55s
